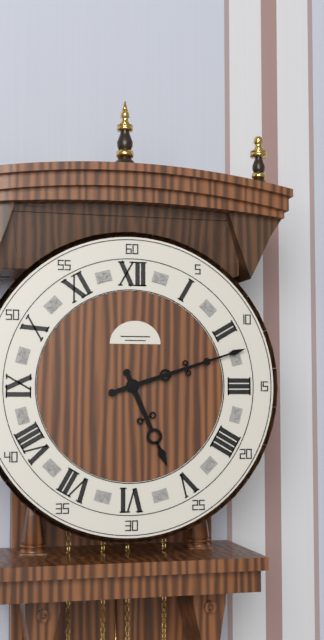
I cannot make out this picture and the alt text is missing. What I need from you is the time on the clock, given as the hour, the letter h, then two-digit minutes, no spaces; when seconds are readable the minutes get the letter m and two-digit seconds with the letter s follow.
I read 5h12
